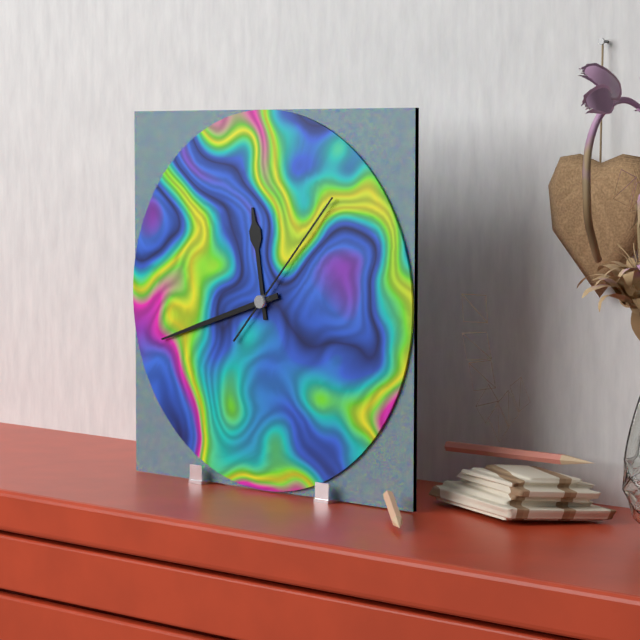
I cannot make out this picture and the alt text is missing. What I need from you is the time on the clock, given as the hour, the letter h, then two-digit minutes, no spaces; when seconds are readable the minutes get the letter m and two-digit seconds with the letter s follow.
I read 11h42m07s
